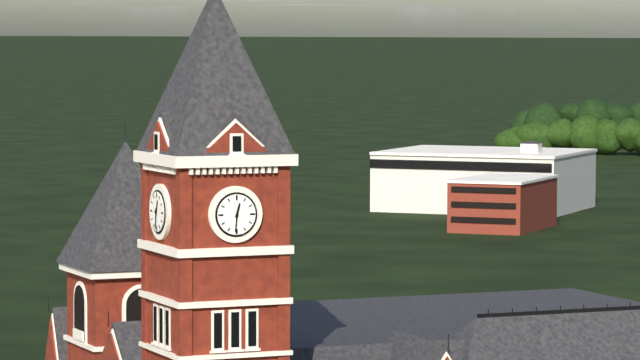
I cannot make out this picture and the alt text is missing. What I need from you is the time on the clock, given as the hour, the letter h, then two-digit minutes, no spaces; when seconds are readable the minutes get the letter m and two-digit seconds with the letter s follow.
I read 12h31
